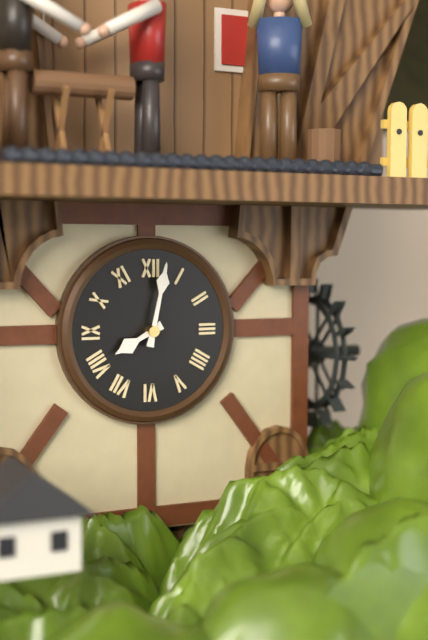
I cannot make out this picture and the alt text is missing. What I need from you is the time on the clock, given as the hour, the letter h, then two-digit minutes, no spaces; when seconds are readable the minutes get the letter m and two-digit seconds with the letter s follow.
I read 8h02
